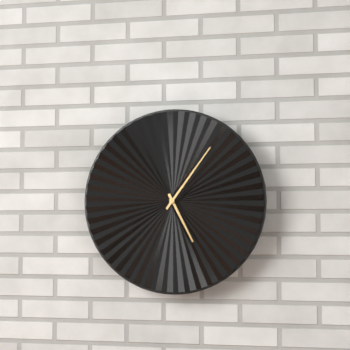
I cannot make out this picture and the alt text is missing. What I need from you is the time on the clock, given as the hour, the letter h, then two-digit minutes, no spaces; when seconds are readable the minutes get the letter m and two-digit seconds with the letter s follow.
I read 5h06
